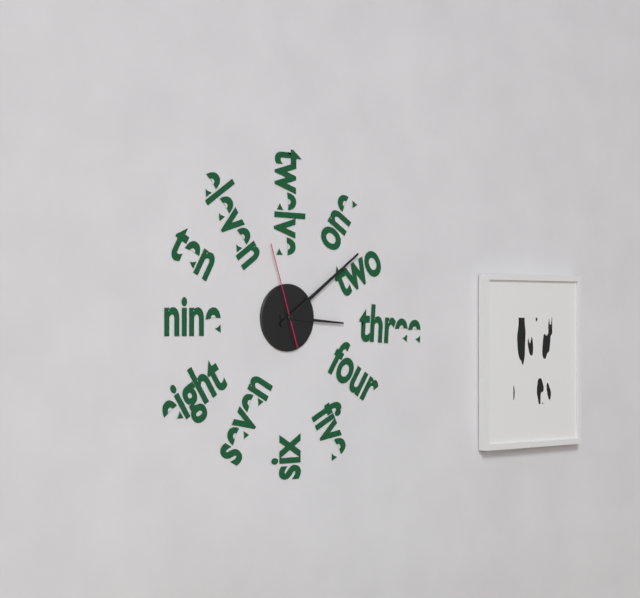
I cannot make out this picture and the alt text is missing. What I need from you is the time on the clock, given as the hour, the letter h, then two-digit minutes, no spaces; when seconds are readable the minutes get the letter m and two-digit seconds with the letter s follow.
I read 3h09m57s
